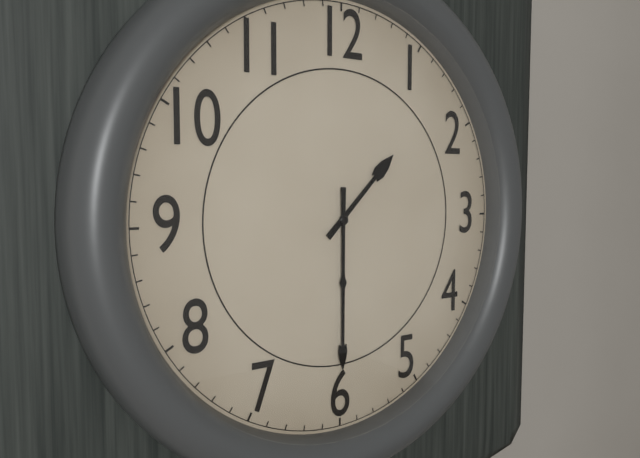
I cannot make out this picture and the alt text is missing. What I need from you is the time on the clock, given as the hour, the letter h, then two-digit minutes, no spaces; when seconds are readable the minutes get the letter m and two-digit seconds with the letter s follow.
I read 1h30
